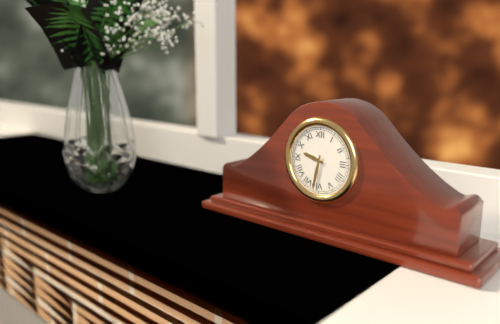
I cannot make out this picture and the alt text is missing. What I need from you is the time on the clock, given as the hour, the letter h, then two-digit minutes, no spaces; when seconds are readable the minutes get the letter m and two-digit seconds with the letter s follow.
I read 9h32
